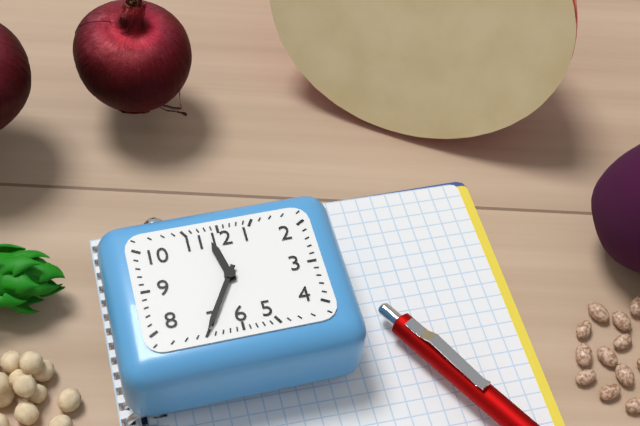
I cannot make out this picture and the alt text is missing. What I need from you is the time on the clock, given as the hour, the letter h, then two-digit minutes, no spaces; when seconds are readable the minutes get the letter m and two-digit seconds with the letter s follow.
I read 11h35
